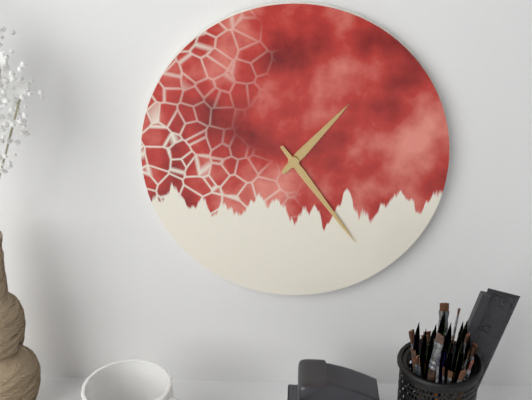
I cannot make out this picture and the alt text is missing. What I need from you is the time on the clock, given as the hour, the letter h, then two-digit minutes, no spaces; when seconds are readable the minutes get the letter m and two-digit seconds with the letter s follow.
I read 1h24
